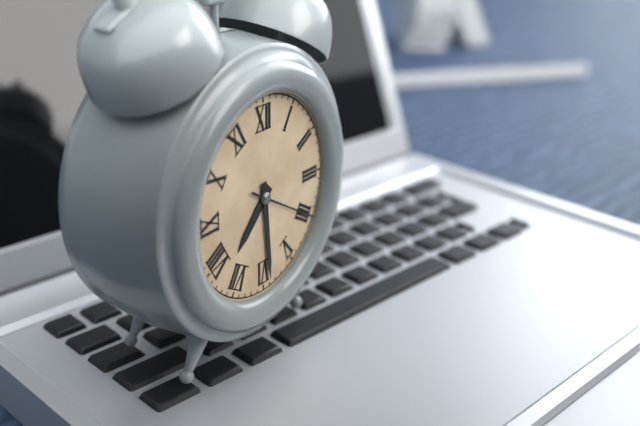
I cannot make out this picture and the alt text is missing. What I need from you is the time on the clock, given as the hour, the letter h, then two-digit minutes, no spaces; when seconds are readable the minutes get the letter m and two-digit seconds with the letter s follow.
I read 7h29m20s
